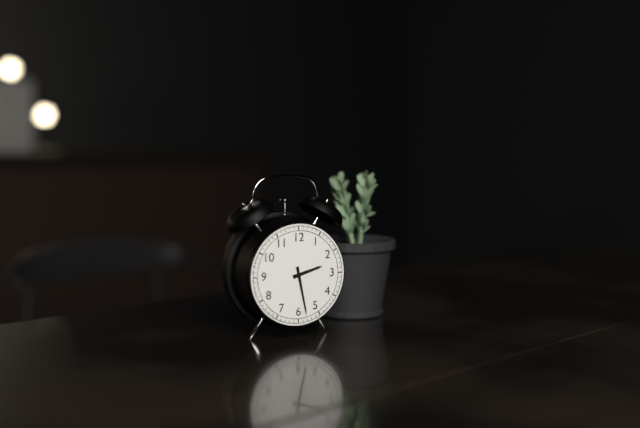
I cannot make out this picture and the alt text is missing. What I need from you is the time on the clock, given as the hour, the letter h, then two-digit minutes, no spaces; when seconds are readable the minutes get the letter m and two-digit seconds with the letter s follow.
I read 2h28
